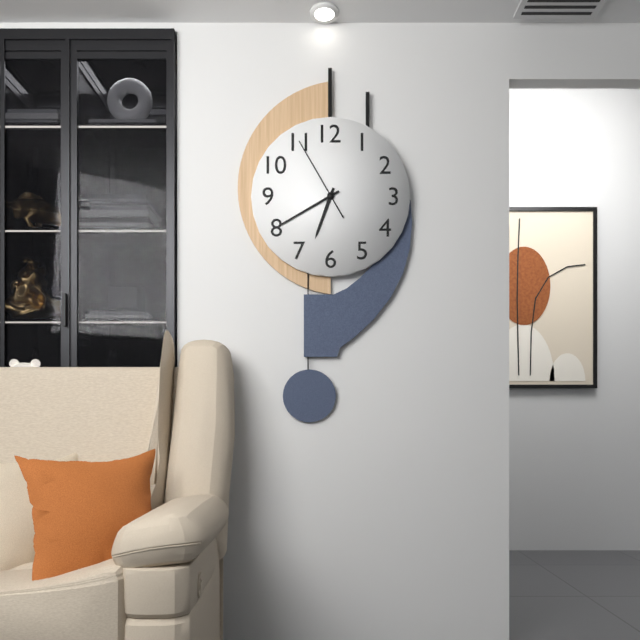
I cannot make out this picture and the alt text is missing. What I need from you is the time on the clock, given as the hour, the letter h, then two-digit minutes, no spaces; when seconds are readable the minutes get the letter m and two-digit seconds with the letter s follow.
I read 6h40m55s
